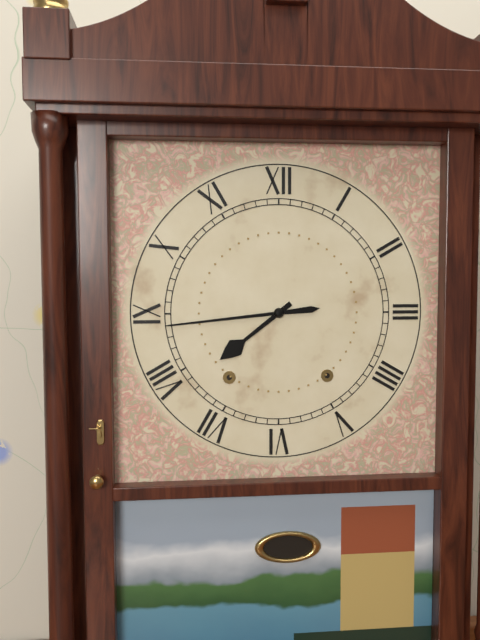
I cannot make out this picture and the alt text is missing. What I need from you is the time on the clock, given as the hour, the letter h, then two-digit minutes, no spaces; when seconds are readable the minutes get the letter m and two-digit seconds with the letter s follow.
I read 7h44
